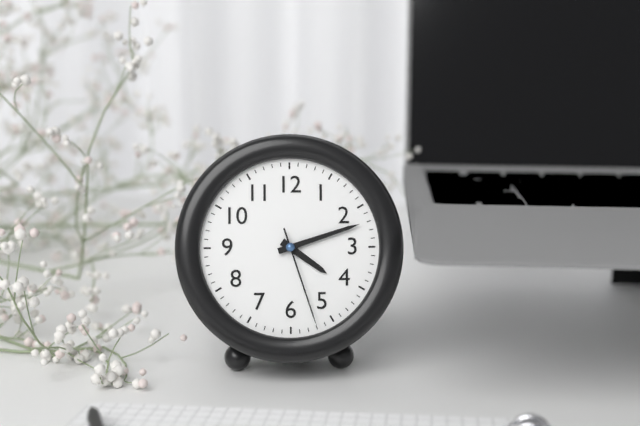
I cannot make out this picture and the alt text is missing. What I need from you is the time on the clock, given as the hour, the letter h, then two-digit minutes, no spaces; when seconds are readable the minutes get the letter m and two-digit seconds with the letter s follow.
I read 4h12m27s
